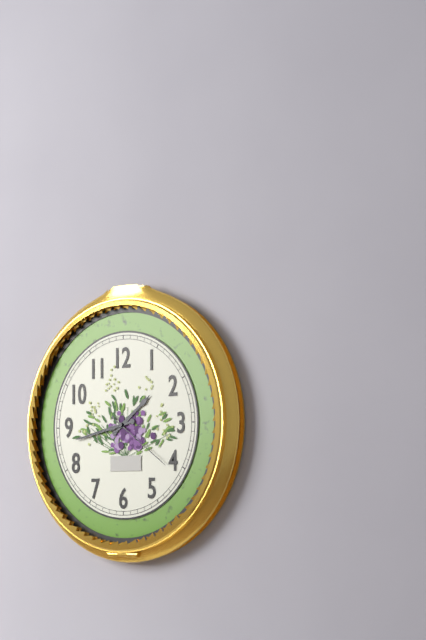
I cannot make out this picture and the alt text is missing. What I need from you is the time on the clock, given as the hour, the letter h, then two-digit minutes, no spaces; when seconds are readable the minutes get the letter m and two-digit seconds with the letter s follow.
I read 1h43m21s
